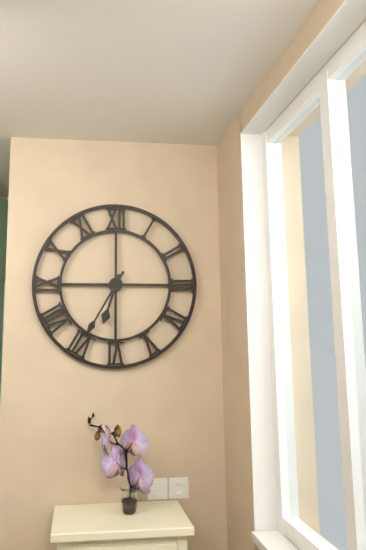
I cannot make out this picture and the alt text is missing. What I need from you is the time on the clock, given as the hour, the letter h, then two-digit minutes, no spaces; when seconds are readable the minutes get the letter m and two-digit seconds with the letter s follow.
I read 6h35
